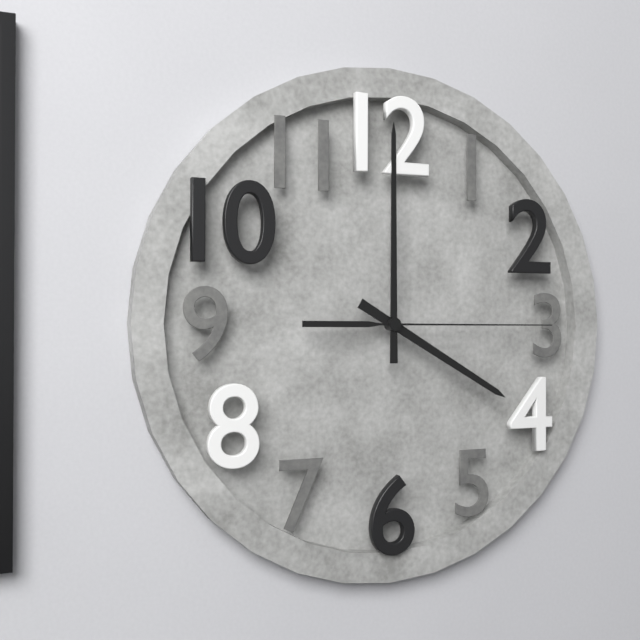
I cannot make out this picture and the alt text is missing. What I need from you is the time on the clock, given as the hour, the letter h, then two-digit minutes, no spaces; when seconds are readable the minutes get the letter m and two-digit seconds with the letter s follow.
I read 4h00m15s
